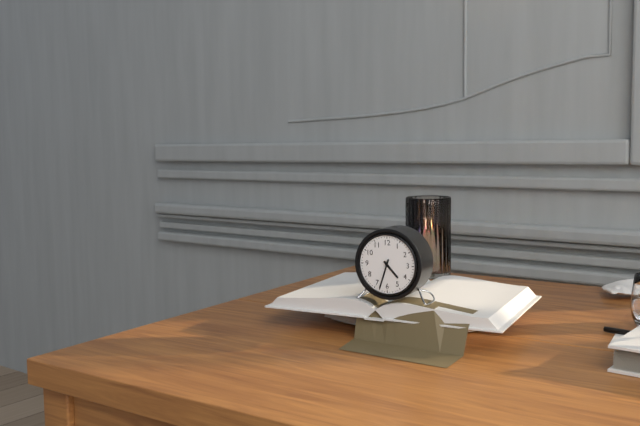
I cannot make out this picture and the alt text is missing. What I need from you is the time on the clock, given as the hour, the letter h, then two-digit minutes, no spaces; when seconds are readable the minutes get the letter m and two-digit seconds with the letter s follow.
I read 4h33
